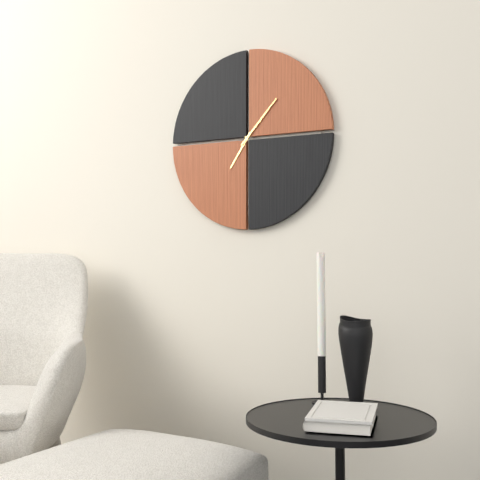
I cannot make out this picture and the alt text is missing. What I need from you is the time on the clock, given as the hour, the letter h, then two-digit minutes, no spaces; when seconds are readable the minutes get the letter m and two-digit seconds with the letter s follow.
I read 7h07
